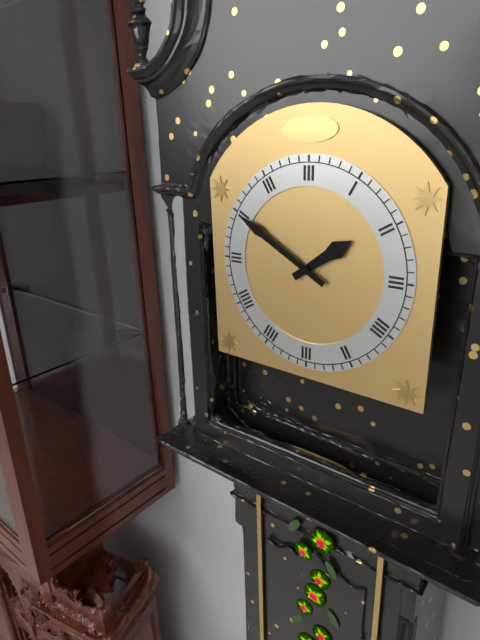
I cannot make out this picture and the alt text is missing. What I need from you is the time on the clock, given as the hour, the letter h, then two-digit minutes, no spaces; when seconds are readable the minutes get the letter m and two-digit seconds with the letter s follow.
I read 1h50
